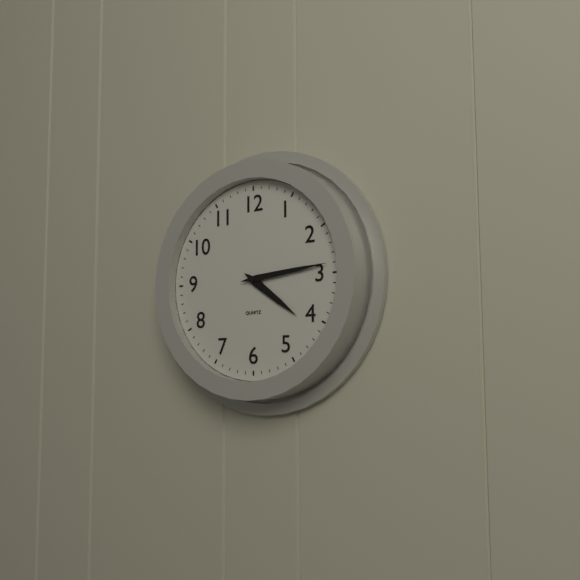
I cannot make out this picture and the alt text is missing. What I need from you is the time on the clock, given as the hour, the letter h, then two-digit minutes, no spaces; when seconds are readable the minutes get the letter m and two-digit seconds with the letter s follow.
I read 4h14
